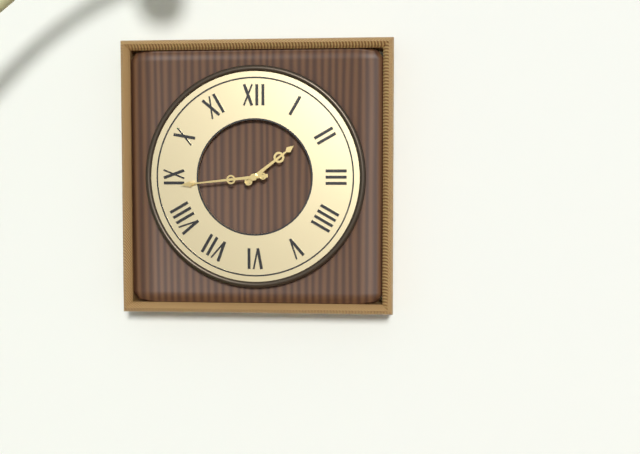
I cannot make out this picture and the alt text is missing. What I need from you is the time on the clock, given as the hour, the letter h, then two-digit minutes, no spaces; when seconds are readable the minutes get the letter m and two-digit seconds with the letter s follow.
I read 1h44
